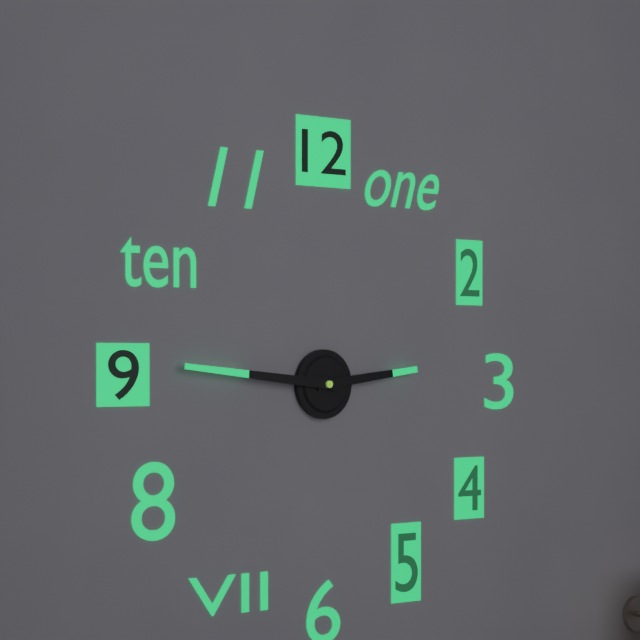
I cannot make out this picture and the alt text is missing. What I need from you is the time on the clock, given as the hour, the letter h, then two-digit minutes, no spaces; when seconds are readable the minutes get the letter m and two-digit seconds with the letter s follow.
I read 2h46
